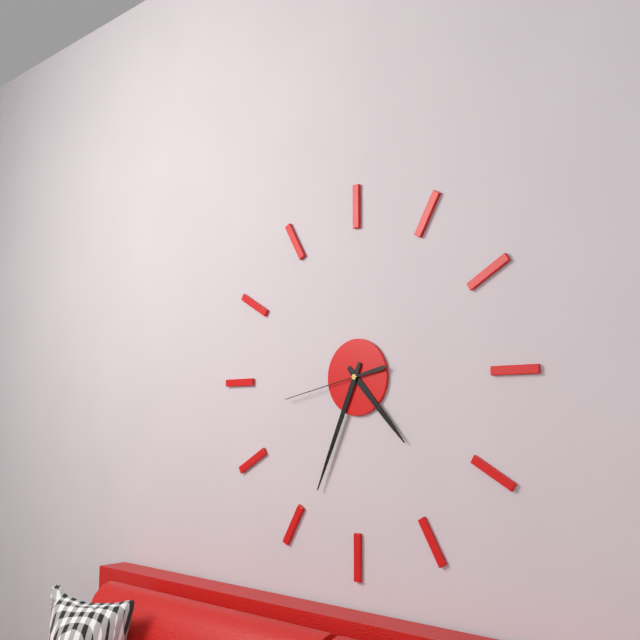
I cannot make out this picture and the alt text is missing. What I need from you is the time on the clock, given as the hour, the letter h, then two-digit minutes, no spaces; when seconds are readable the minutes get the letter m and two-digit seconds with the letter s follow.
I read 4h34m43s
